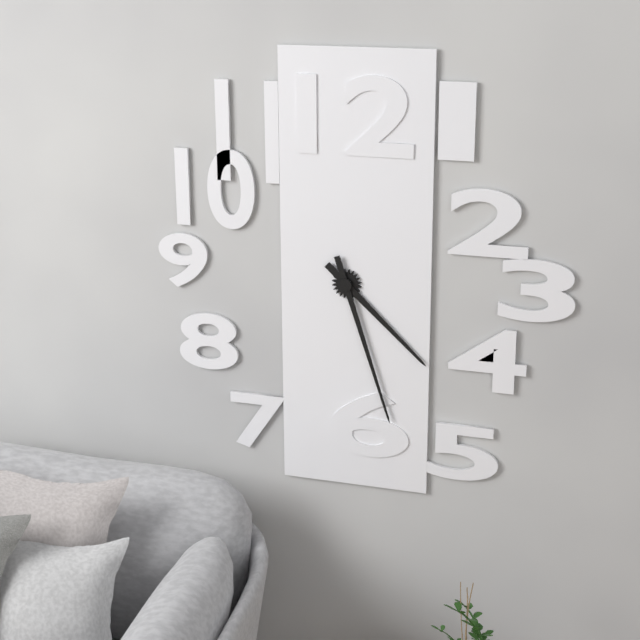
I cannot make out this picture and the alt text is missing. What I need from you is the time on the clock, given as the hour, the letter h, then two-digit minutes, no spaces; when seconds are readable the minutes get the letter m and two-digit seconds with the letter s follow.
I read 4h27
